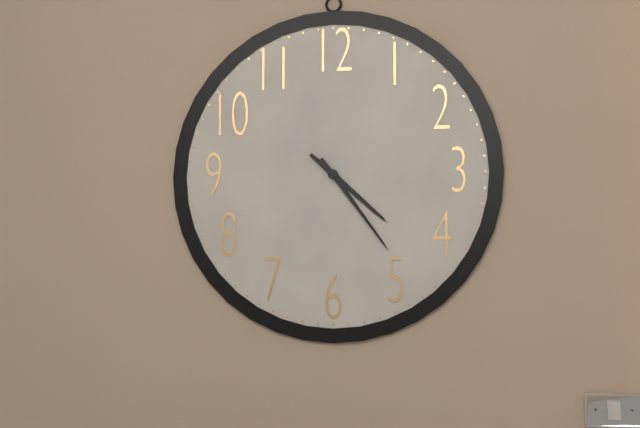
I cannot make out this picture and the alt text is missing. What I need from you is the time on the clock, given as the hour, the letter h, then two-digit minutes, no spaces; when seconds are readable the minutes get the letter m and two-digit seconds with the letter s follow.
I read 4h24
